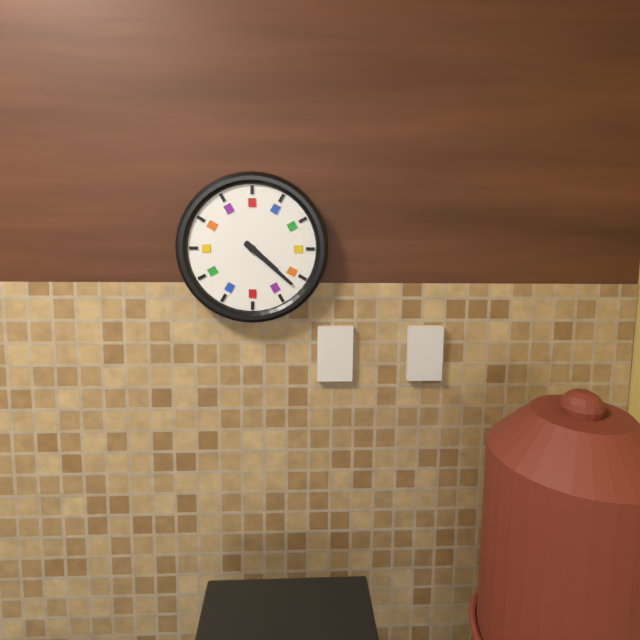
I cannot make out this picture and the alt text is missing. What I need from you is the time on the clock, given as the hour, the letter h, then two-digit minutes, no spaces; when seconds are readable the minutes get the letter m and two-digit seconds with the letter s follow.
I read 4h22
